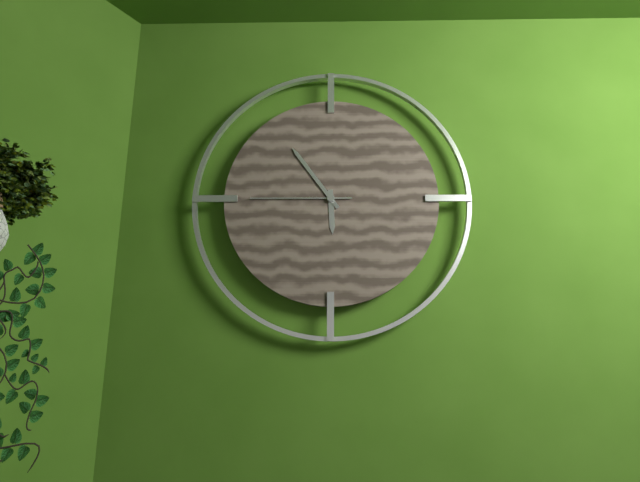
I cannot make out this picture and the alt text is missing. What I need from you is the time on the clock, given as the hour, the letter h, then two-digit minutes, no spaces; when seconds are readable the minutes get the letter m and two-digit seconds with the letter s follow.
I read 5h54m45s
